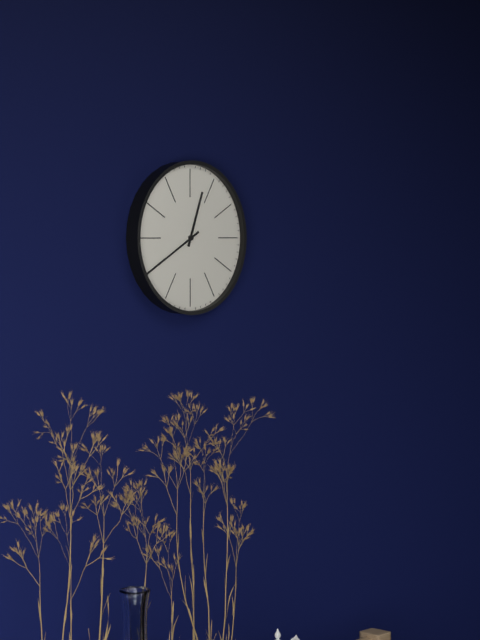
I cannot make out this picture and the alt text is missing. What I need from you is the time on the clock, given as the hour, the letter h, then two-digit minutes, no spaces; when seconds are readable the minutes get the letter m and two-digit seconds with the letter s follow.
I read 12h40
